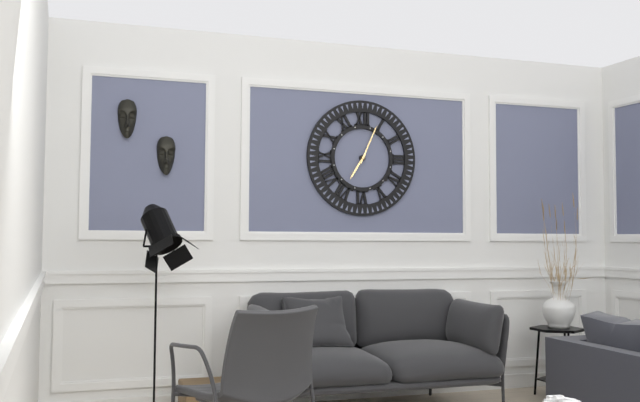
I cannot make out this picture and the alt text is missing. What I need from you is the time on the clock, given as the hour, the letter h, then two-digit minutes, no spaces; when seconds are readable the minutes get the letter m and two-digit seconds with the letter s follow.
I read 7h04
